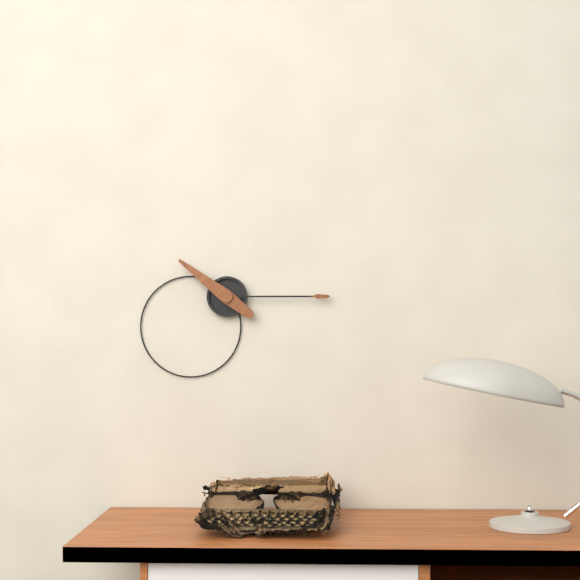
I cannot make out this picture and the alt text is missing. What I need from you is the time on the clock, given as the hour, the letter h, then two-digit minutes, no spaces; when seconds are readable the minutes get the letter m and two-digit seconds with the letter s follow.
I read 10h15
